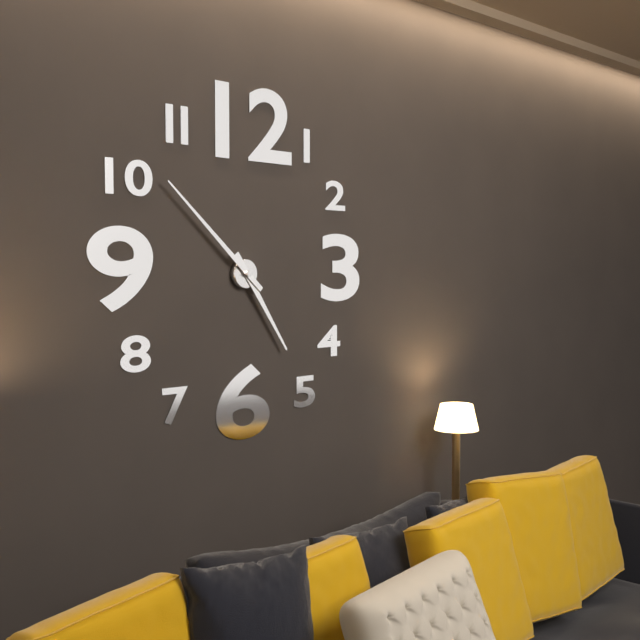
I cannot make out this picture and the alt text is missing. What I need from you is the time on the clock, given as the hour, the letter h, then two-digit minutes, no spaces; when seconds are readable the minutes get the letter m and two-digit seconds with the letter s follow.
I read 4h52
